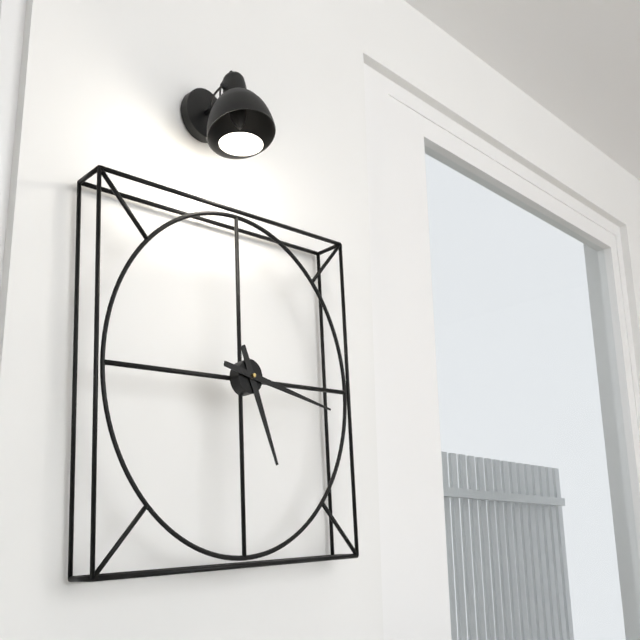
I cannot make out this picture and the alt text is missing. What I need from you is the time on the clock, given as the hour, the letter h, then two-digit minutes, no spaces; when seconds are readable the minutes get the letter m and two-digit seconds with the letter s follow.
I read 5h17
